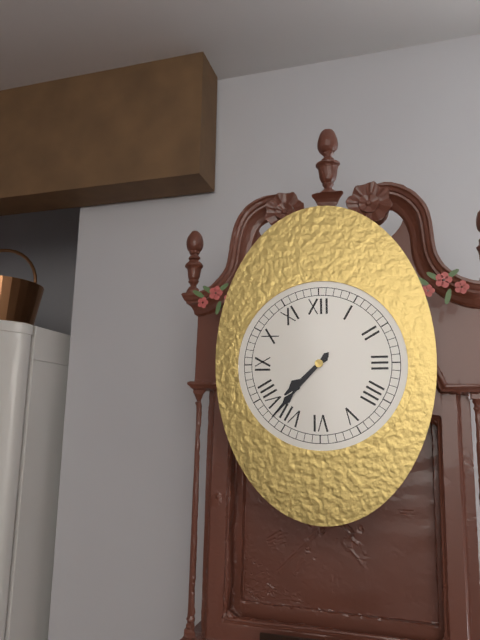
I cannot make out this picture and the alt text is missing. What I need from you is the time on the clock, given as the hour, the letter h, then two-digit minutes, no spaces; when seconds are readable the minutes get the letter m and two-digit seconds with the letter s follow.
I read 7h37
